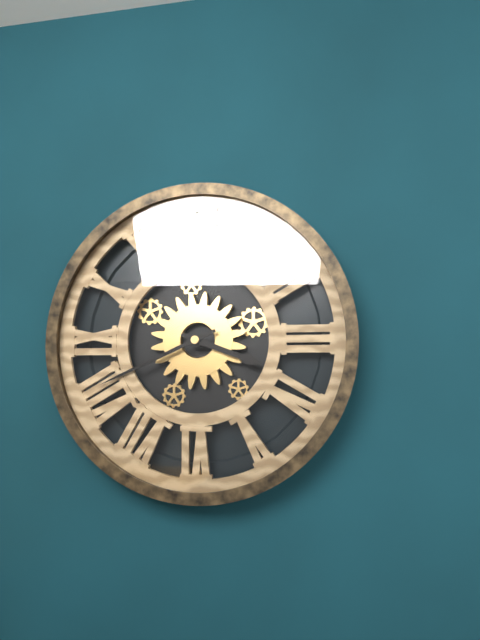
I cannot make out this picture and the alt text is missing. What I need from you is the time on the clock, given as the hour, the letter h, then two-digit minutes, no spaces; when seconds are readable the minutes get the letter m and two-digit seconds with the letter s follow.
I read 3h41
